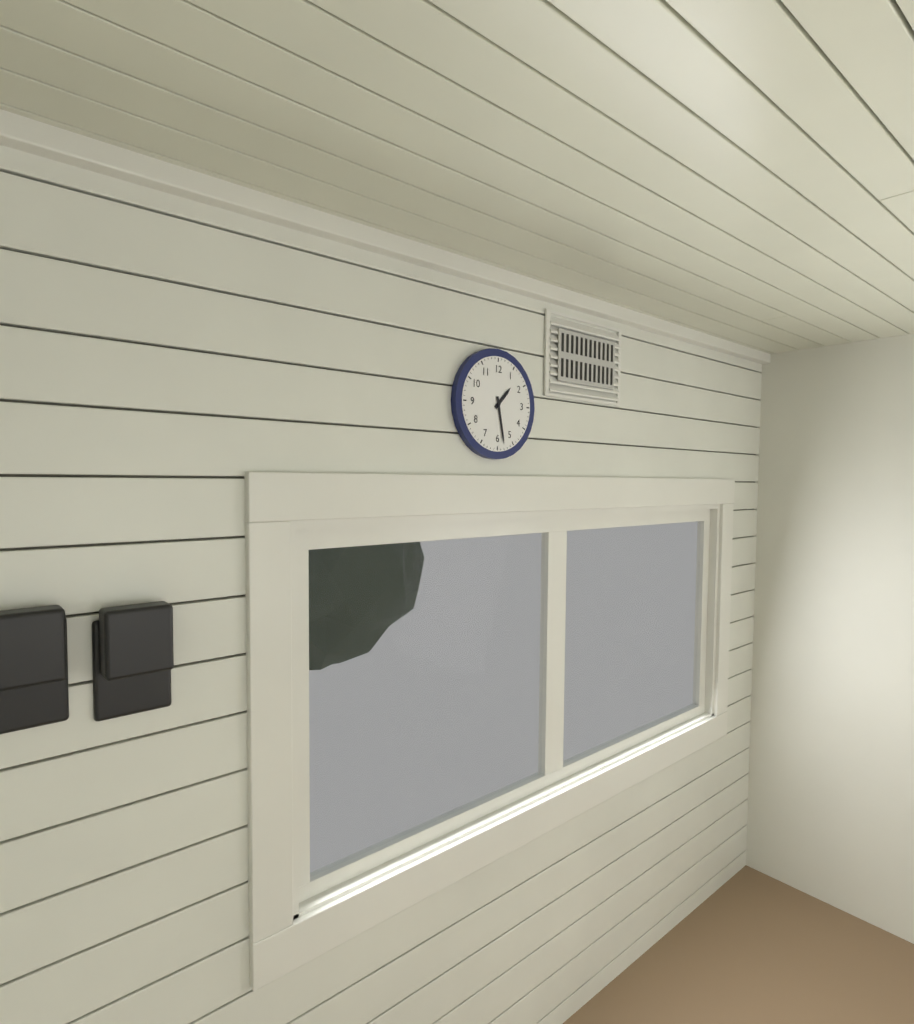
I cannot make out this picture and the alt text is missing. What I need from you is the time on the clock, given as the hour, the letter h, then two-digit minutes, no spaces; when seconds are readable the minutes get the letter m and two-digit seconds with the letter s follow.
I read 1h28
